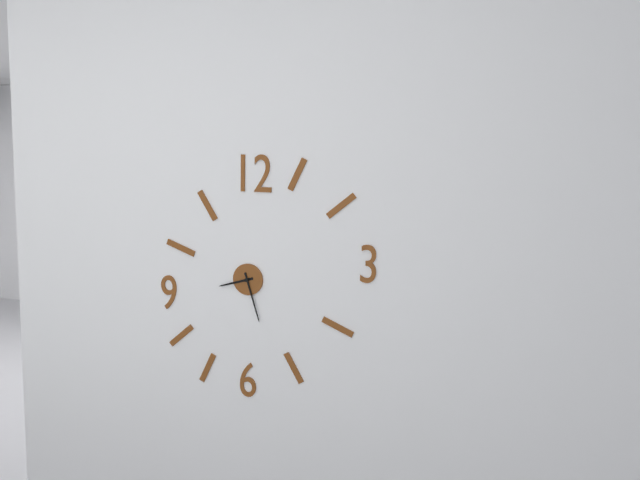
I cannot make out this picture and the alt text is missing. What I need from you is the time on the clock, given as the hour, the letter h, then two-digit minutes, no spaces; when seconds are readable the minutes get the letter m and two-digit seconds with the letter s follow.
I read 8h27
